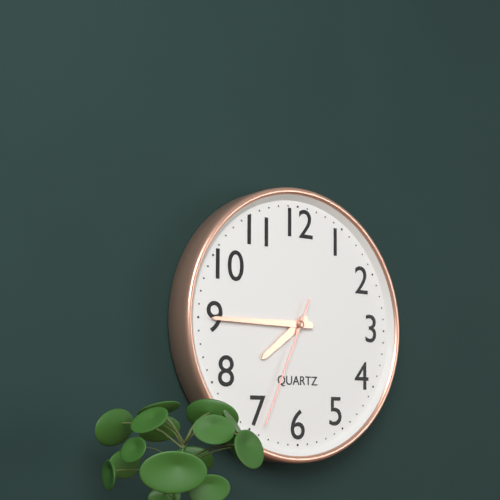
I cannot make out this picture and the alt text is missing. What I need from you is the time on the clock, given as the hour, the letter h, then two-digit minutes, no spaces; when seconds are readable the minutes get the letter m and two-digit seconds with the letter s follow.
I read 7h45m34s
